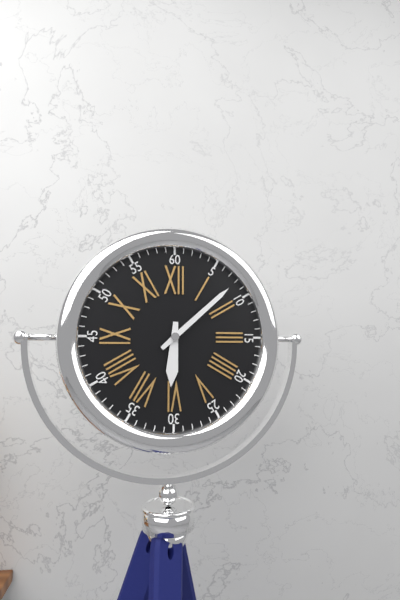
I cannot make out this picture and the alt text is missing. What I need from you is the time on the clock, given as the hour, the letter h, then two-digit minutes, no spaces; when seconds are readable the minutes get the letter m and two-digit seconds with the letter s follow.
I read 6h08
